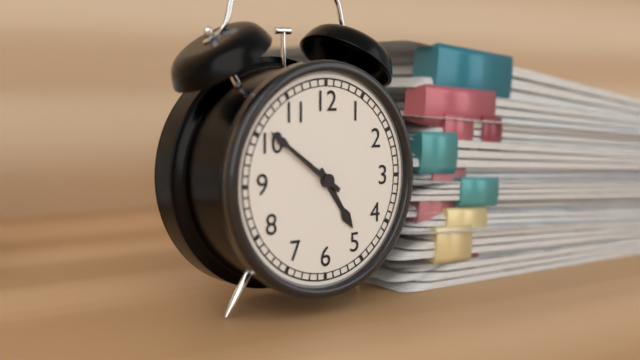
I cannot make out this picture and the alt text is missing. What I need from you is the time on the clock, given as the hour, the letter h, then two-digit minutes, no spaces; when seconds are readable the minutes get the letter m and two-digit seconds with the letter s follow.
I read 4h51
